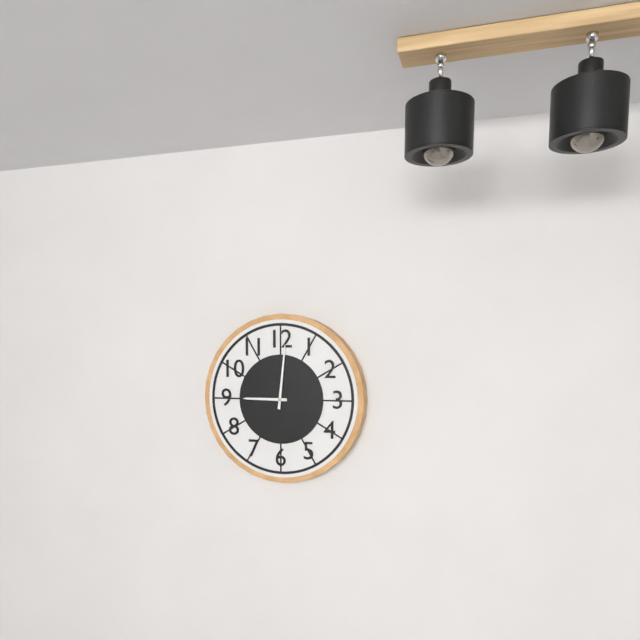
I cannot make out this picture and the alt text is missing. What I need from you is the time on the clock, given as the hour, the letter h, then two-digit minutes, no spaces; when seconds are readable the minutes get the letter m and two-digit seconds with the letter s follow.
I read 9h01
